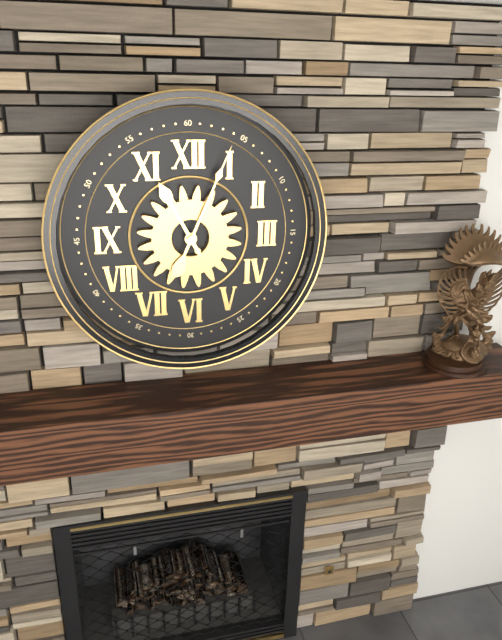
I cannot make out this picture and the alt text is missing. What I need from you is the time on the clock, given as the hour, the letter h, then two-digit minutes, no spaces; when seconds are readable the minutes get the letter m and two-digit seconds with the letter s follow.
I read 11h04
